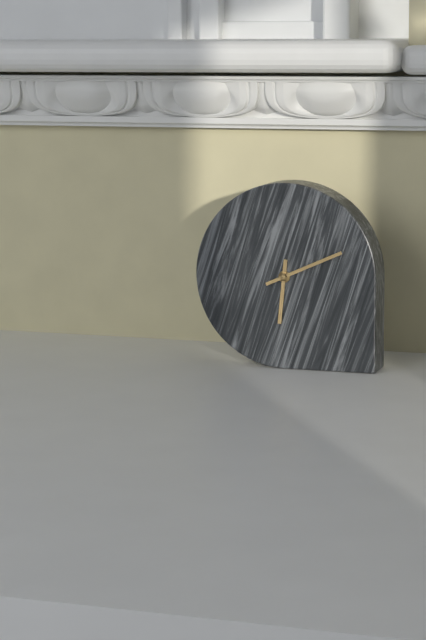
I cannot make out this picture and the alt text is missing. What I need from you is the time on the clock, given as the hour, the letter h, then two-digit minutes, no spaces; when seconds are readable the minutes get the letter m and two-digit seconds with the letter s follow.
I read 6h11
